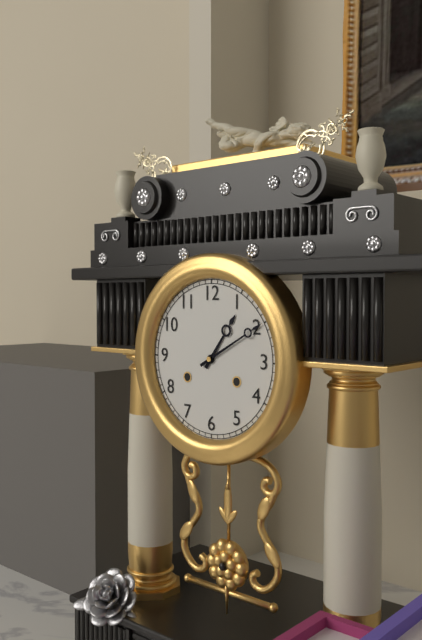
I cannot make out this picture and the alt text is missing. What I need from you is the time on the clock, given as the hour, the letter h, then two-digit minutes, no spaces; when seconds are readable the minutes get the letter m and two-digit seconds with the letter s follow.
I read 1h10
